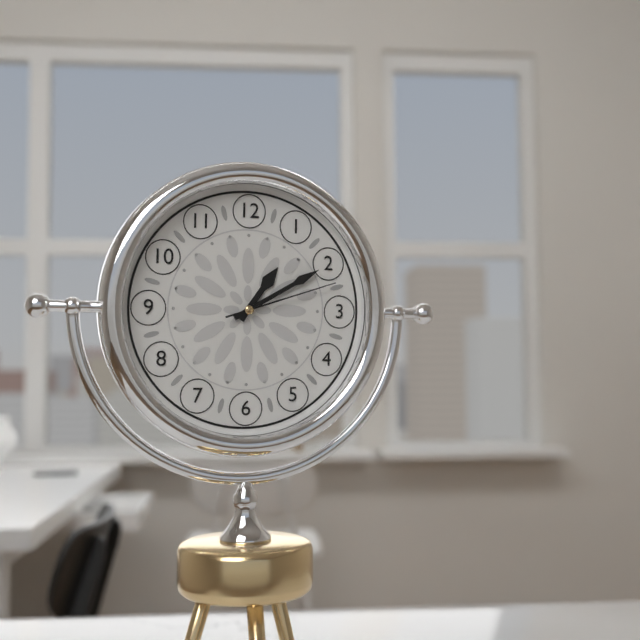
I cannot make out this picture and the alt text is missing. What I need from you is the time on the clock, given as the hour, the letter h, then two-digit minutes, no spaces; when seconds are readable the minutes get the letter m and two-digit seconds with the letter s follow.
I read 1h10m12s
